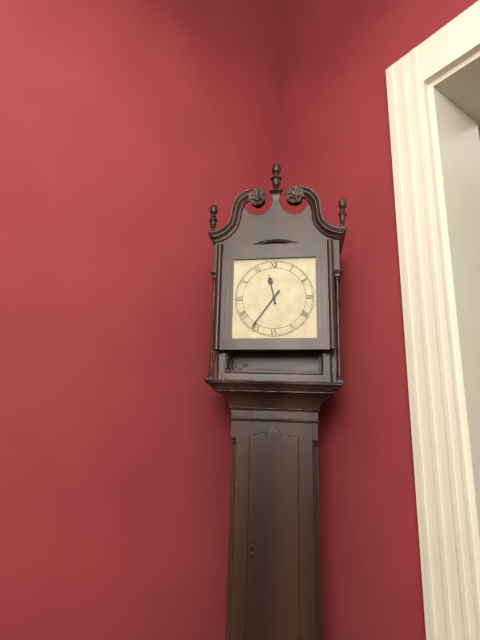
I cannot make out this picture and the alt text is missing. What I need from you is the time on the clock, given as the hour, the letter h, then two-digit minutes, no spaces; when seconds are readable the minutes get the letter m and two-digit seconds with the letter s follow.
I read 11h36
